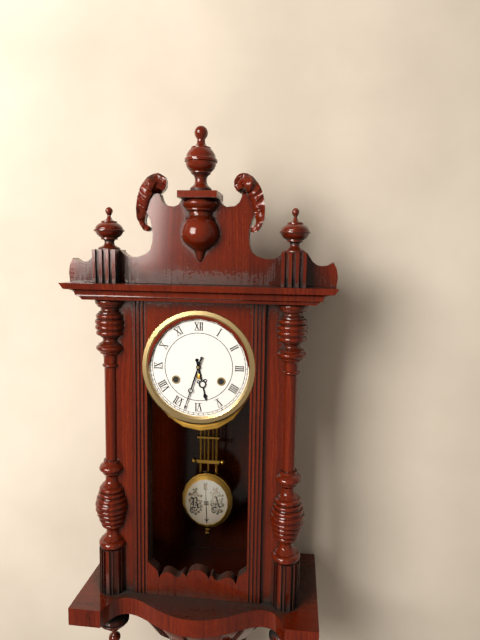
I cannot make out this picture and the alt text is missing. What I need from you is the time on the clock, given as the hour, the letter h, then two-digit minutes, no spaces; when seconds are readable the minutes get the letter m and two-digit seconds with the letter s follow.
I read 5h33
